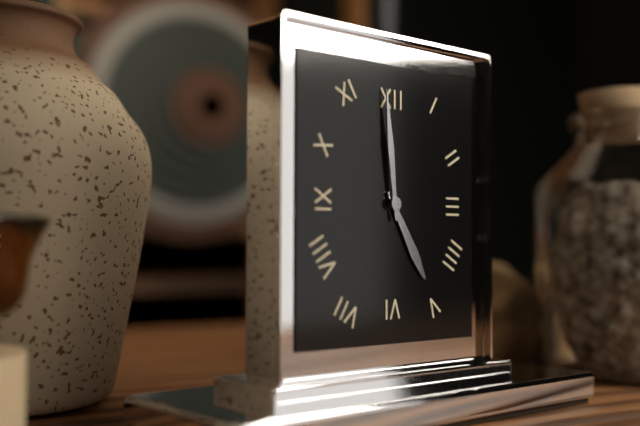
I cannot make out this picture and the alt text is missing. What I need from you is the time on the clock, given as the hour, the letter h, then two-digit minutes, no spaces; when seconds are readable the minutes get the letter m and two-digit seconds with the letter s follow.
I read 4h59
